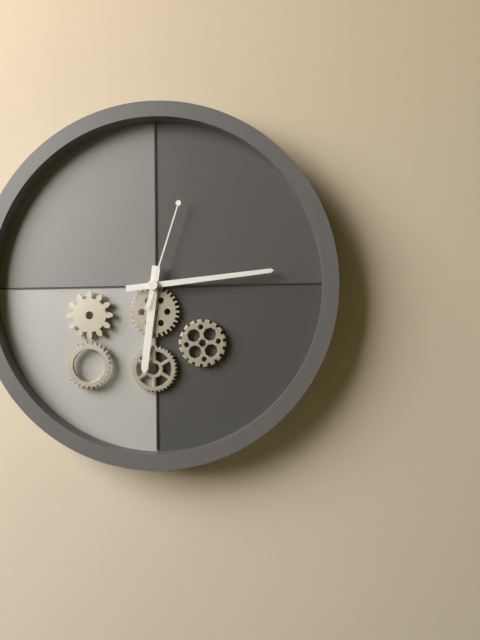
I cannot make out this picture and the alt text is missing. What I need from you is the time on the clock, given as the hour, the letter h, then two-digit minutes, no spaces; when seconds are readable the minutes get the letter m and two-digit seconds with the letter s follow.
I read 6h14m03s
